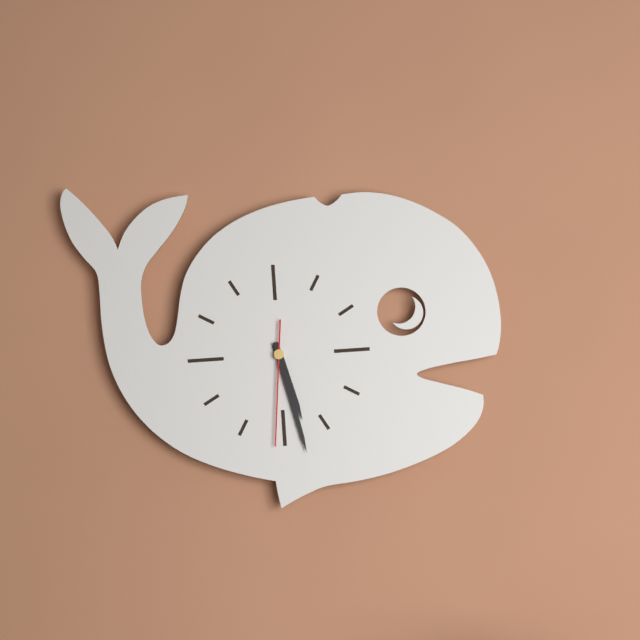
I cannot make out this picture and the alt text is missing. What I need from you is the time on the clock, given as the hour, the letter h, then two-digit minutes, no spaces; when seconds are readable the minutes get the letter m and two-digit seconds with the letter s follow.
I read 5h28m31s
